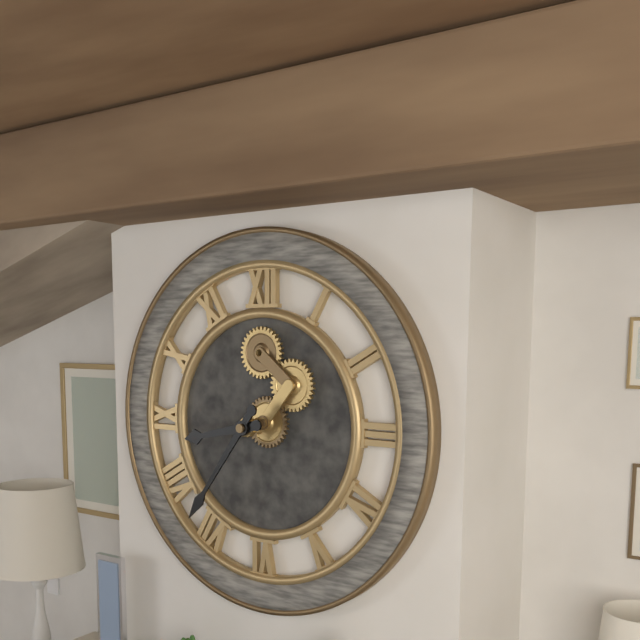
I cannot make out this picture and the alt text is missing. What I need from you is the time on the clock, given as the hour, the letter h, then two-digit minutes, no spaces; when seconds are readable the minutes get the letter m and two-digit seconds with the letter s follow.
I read 8h36
